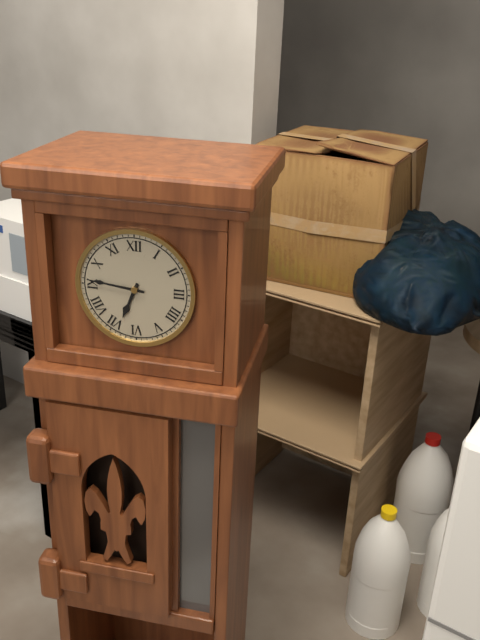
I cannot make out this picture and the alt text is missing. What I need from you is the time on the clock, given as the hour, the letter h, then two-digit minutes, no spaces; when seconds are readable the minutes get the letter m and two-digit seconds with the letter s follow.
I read 6h46
